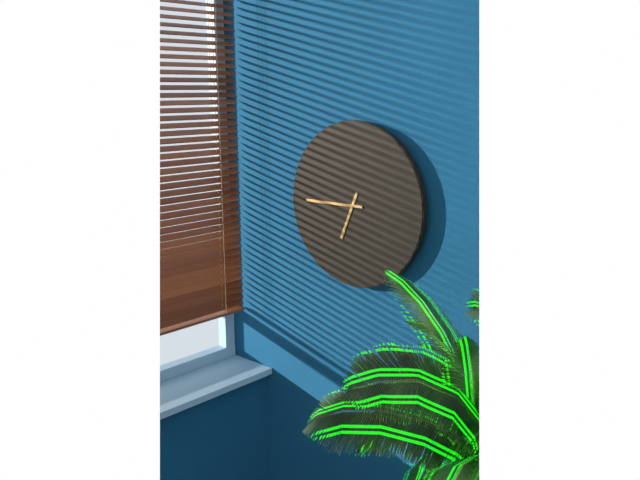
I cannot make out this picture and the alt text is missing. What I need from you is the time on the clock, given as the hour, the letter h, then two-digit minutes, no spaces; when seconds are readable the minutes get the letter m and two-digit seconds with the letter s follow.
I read 6h45
